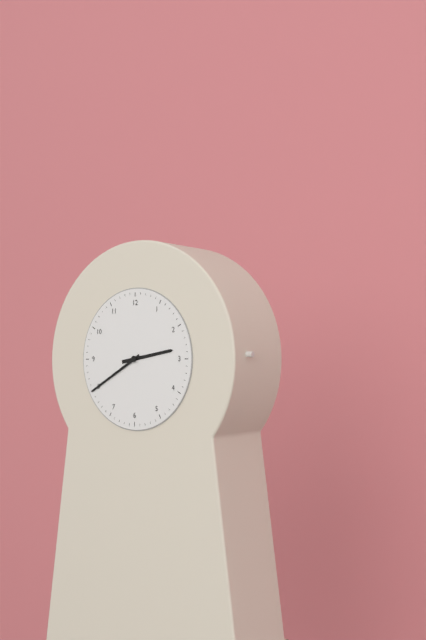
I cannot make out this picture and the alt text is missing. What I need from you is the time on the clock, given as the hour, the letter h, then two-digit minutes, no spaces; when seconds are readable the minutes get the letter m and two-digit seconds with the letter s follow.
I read 2h40
